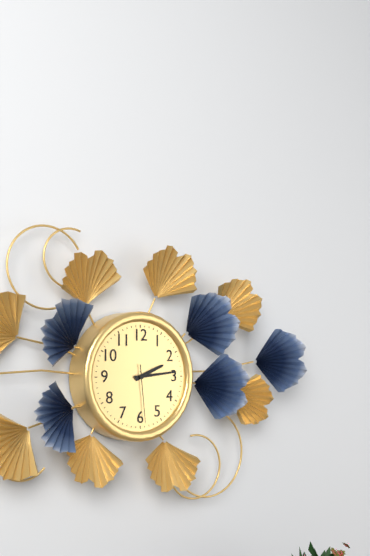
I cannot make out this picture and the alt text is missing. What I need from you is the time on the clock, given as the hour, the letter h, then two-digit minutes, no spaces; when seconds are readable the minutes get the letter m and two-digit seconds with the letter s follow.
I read 2h14m29s
